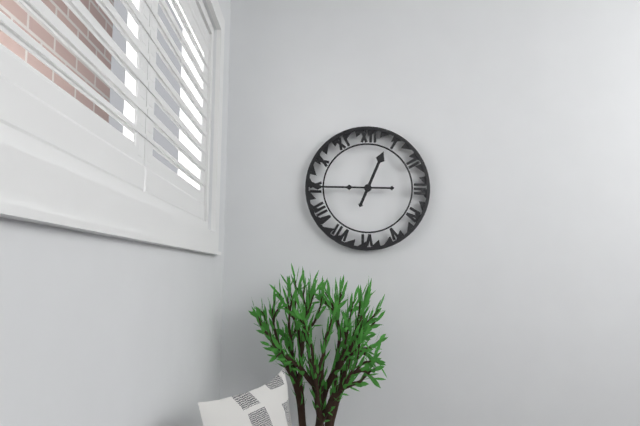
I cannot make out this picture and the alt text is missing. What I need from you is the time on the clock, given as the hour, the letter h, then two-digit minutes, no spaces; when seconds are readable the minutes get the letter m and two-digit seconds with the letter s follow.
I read 12h45
